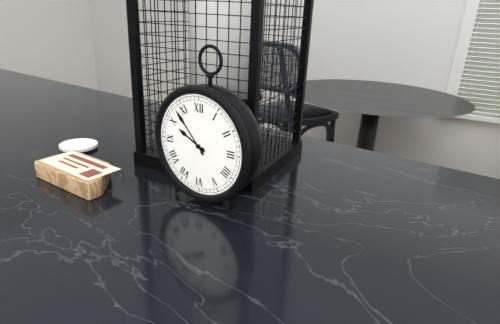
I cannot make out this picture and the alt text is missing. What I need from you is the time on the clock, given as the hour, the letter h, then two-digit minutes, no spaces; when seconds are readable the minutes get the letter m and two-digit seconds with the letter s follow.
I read 9h53
